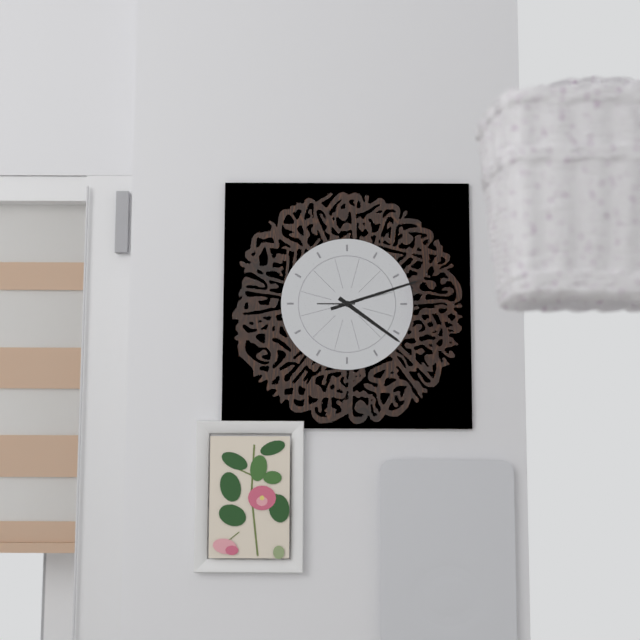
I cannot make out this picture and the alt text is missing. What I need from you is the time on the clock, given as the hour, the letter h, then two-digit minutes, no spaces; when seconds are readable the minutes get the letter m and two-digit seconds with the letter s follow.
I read 4h12
